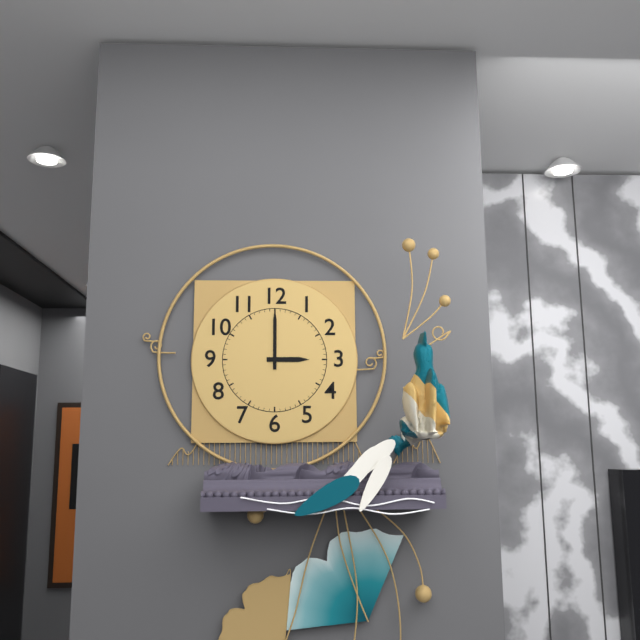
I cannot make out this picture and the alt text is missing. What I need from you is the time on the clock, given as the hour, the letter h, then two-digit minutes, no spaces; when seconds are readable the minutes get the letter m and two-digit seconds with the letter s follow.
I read 3h00
